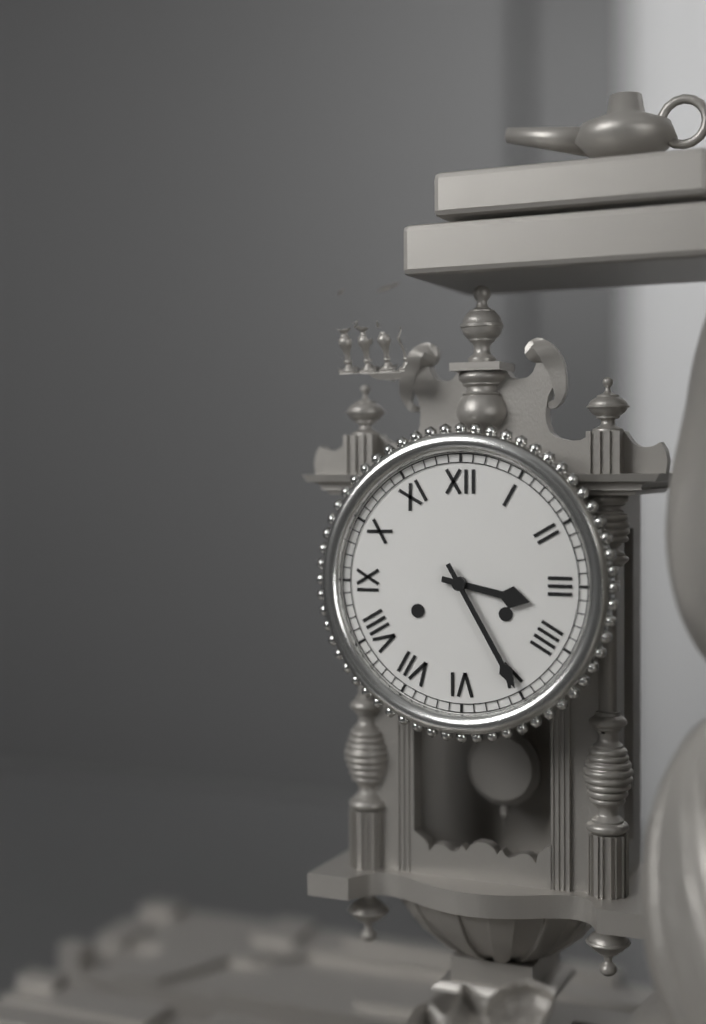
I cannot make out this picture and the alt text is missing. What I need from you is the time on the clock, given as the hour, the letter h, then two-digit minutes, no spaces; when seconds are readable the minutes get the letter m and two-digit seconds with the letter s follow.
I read 3h25
